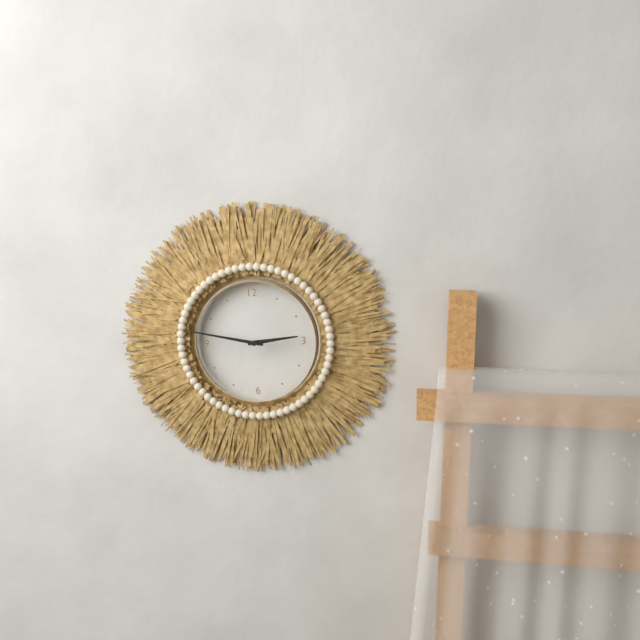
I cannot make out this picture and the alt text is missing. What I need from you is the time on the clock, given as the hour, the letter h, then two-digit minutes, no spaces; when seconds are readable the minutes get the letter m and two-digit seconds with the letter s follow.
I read 2h47
